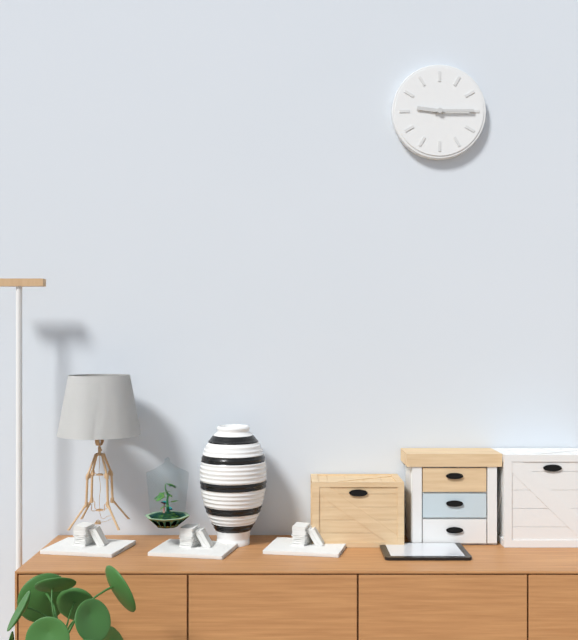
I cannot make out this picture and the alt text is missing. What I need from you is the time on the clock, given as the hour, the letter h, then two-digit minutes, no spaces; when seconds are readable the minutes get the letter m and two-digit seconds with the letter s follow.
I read 9h15
